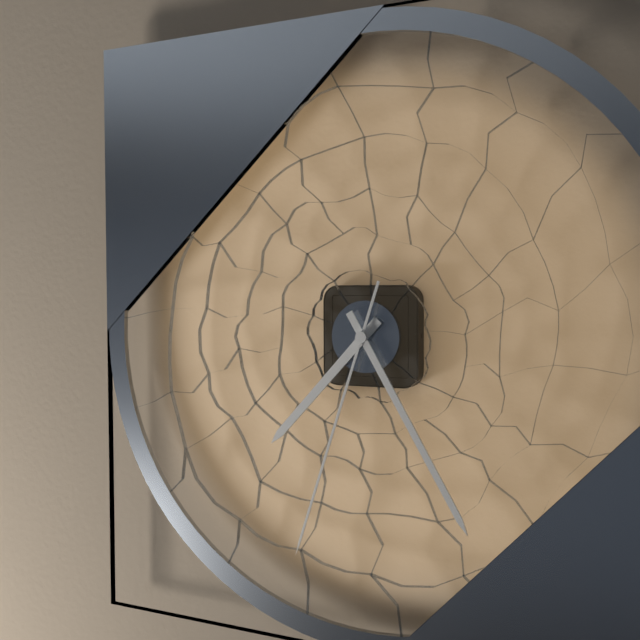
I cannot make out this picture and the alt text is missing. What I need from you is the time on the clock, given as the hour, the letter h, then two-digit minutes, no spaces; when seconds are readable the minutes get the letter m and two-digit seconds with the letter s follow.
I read 7h25m33s
